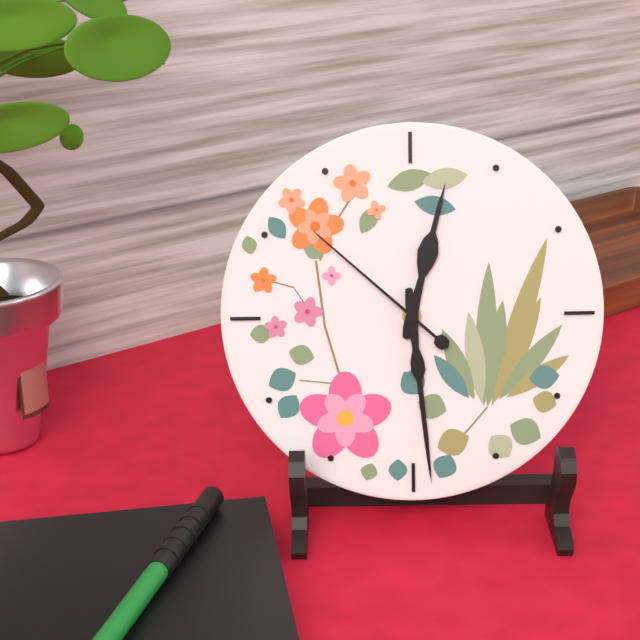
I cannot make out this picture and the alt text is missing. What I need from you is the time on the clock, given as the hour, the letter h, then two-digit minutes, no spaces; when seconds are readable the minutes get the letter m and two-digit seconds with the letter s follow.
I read 12h29m52s
